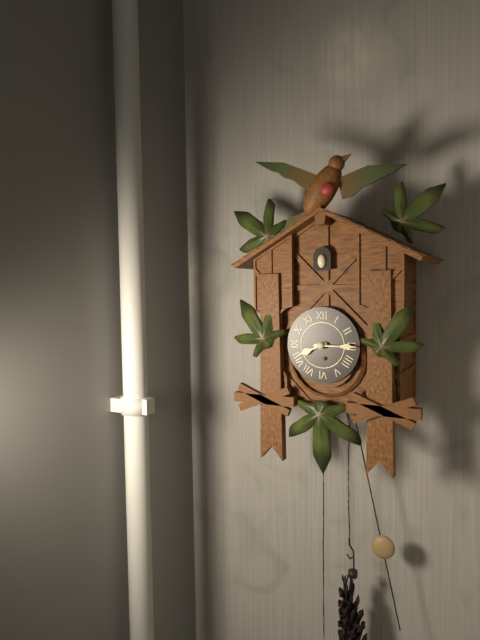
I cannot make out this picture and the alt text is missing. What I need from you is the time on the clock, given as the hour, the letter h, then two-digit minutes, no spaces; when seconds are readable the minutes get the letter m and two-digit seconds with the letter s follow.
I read 8h15
